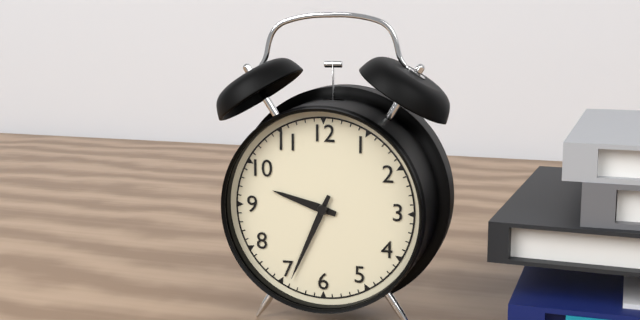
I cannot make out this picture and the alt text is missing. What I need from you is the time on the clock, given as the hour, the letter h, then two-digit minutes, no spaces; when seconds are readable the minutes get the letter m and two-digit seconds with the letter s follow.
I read 9h34
